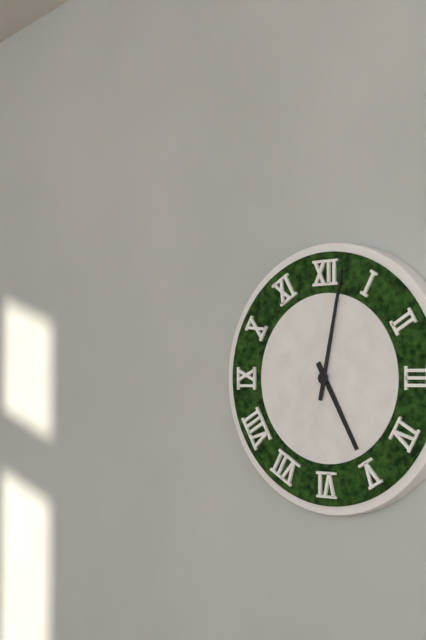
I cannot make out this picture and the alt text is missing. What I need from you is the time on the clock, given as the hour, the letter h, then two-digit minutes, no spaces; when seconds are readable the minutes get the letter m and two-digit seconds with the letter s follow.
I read 5h02
